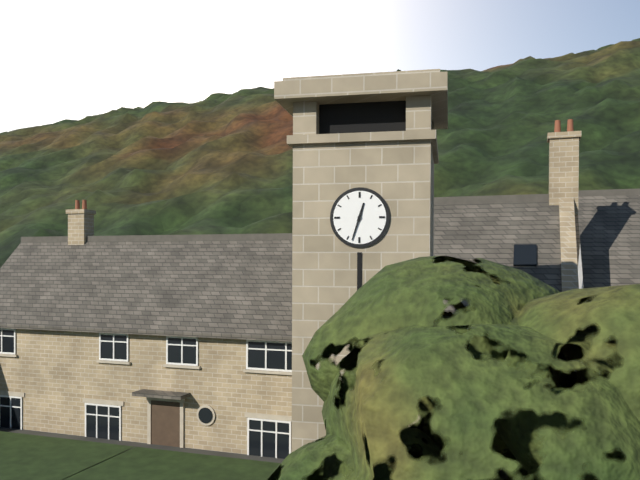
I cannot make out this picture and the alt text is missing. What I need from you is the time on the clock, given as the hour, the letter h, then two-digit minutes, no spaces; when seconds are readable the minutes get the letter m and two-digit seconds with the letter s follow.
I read 12h33
